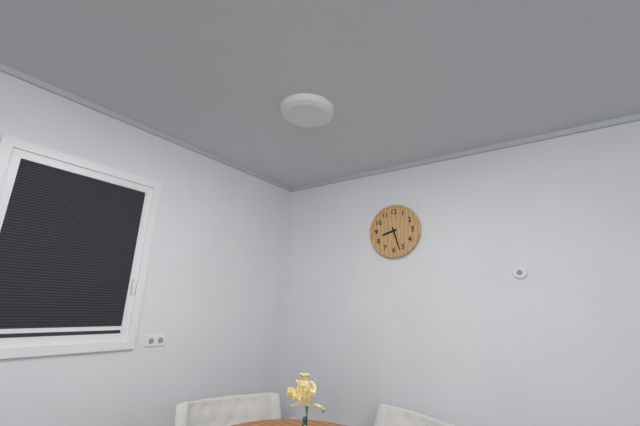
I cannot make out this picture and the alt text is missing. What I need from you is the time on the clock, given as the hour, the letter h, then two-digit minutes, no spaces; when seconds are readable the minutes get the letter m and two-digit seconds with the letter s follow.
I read 8h27
